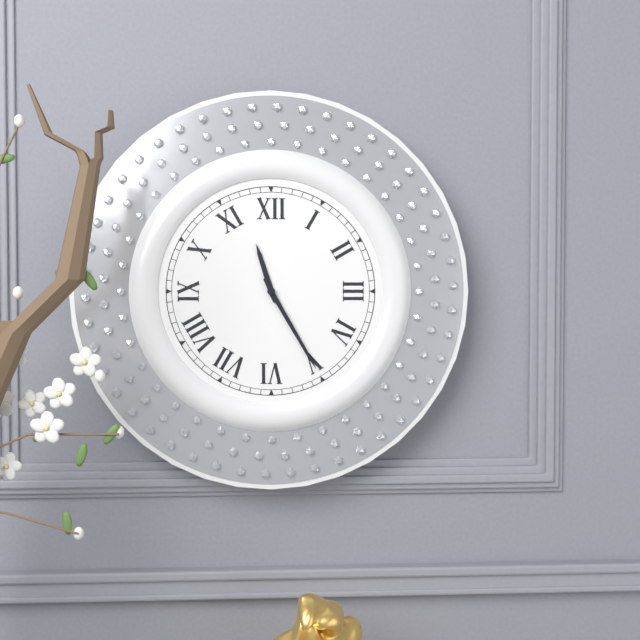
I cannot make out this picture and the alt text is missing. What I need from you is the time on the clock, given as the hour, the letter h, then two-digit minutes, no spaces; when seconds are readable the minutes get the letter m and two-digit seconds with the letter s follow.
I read 11h25
